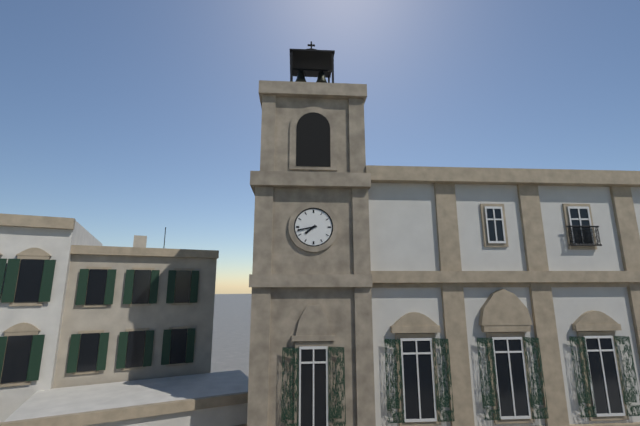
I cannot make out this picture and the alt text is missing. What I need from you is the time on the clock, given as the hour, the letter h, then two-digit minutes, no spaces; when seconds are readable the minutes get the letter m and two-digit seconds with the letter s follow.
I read 7h43
